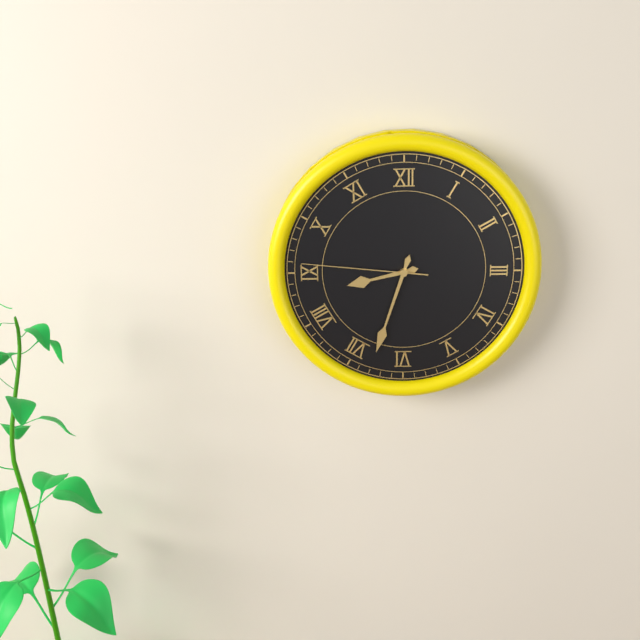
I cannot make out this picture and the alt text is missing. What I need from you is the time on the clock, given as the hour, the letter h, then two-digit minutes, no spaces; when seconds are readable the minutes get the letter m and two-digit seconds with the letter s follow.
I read 8h33m46s
